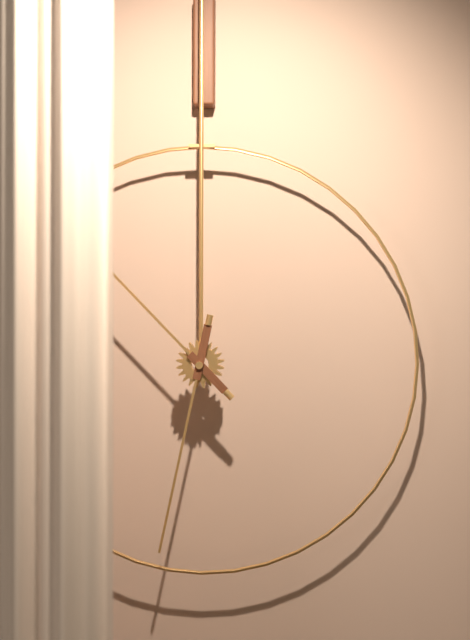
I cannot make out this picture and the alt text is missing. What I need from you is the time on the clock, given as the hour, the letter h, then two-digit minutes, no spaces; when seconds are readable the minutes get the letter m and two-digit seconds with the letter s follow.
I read 10h32
